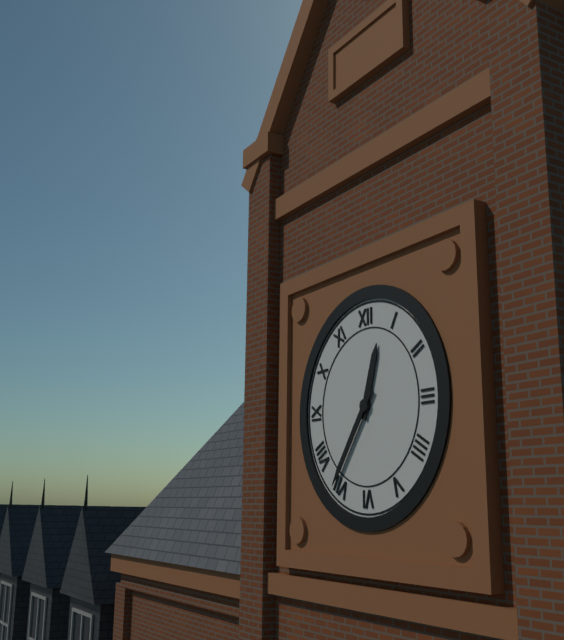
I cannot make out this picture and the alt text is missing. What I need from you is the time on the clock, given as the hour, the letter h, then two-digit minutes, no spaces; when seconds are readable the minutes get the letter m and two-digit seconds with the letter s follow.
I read 12h36
